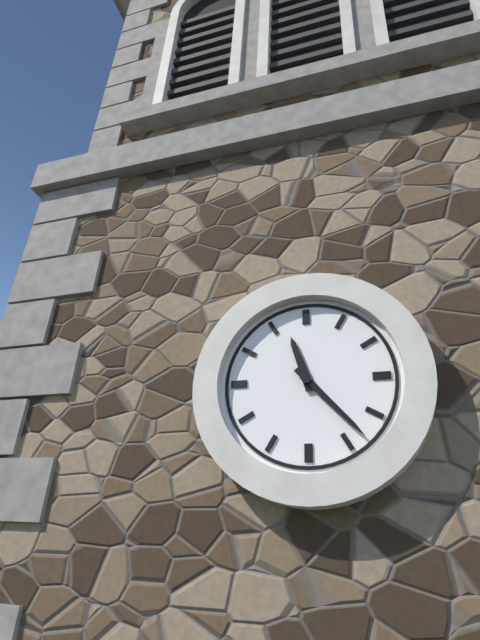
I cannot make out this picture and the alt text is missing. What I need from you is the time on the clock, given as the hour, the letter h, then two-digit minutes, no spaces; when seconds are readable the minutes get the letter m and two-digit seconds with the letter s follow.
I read 11h23
